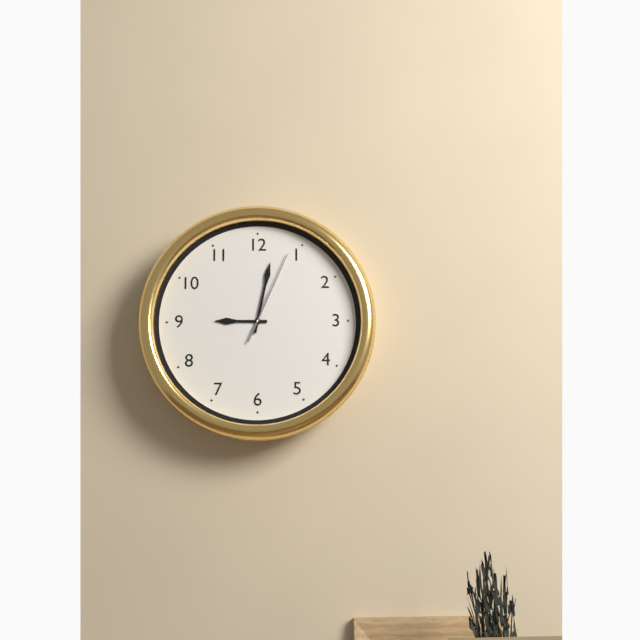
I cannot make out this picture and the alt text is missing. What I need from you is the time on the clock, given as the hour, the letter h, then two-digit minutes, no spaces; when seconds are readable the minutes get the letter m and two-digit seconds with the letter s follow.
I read 9h02m04s
